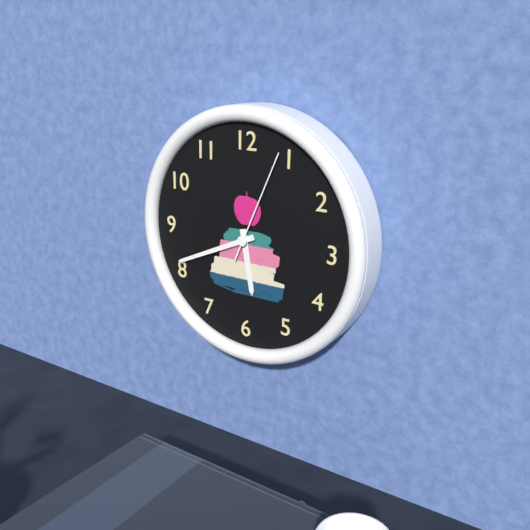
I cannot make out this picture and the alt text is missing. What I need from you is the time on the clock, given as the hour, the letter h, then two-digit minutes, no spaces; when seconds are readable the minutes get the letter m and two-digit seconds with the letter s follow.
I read 5h41m04s
